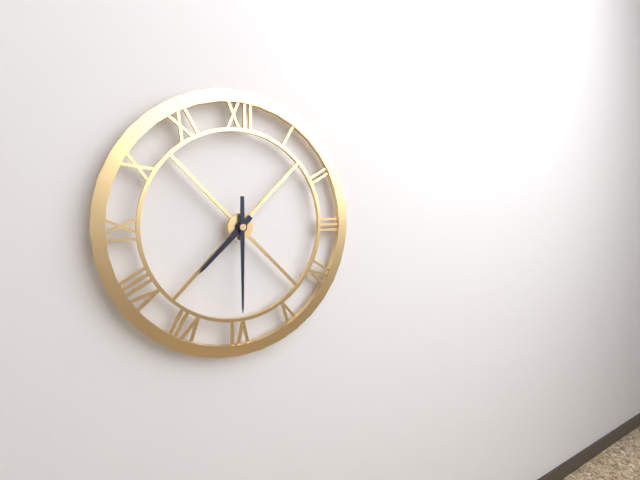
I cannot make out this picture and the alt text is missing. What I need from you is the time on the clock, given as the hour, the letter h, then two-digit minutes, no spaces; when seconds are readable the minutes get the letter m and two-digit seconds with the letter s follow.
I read 7h30
